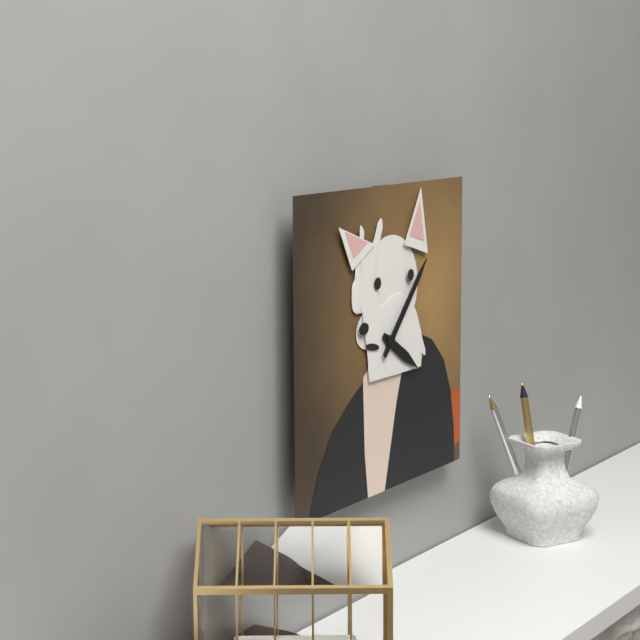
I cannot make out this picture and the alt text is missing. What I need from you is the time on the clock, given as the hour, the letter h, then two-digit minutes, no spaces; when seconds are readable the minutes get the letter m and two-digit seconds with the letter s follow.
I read 4h07
